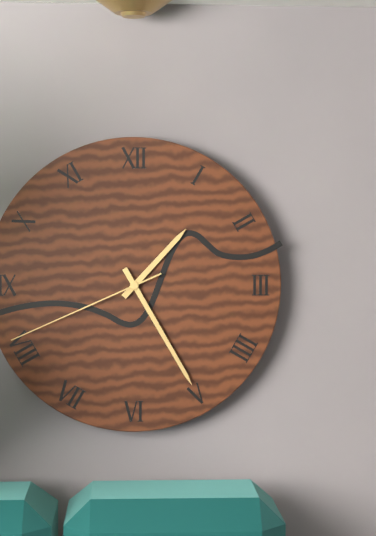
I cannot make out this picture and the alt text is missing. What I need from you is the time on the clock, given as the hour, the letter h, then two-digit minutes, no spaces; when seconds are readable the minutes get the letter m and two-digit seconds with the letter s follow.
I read 1h25m41s
